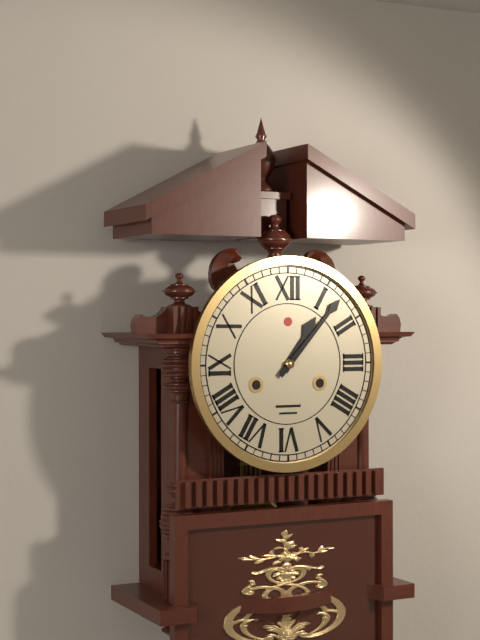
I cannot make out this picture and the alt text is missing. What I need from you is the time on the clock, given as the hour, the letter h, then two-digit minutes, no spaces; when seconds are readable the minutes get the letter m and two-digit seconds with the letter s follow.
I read 1h07
